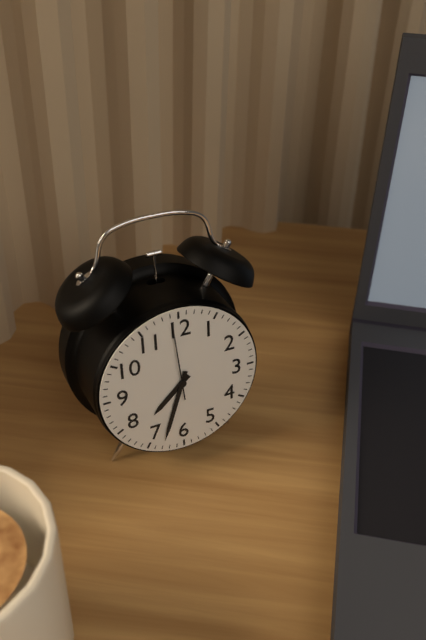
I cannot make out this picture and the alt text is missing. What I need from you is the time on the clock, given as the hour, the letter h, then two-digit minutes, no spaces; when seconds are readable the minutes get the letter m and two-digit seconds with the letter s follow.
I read 7h33m59s
